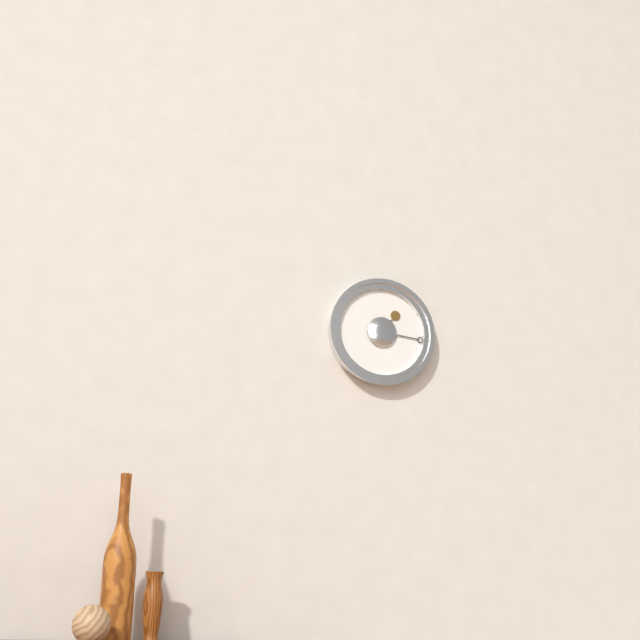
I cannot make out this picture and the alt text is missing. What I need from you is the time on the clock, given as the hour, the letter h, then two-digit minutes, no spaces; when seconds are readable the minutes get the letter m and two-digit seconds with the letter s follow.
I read 1h16
